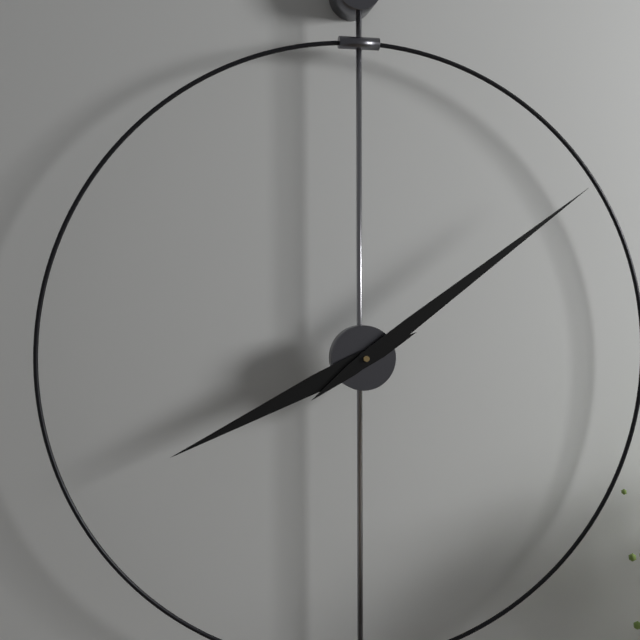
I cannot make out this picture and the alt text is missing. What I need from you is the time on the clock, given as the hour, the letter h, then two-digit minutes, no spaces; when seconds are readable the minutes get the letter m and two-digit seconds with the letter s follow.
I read 8h09
